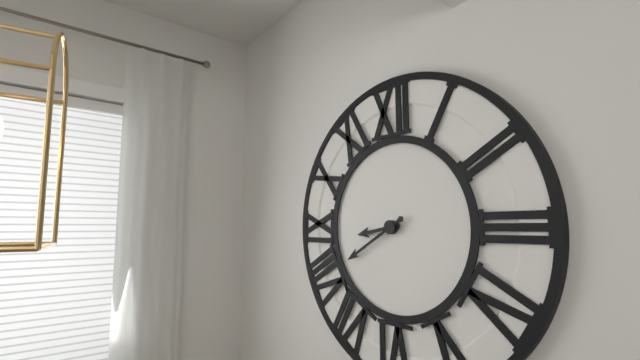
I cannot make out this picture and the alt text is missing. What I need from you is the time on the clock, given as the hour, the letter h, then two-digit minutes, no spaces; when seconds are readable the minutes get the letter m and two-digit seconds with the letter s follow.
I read 8h40
